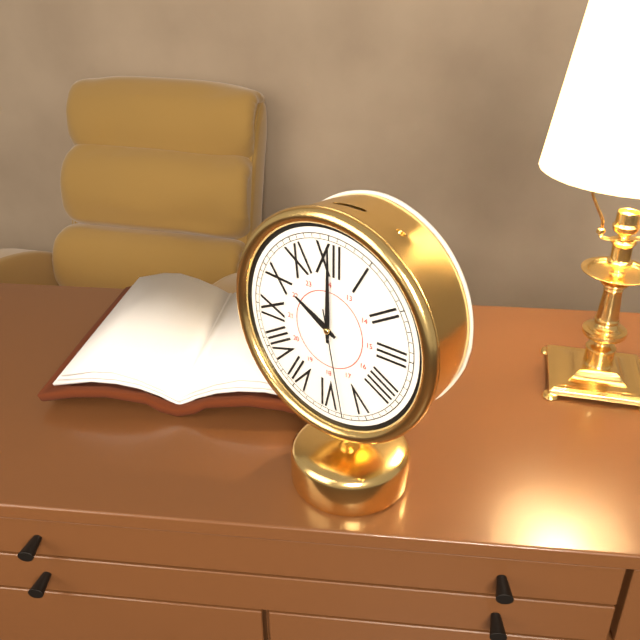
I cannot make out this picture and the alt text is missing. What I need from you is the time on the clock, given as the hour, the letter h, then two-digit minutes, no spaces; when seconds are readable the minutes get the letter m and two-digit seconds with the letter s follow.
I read 10h00m28s
